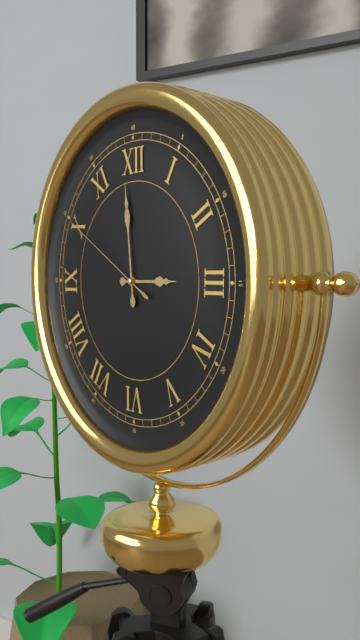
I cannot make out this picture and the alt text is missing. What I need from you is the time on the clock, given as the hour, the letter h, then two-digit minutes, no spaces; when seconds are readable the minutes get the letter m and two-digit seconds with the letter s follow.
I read 2h59m50s
